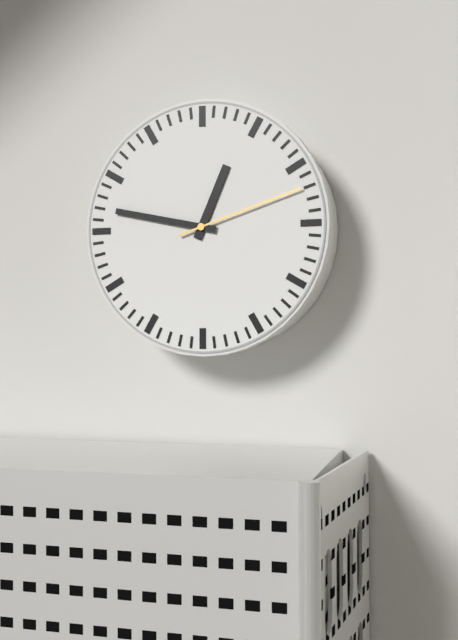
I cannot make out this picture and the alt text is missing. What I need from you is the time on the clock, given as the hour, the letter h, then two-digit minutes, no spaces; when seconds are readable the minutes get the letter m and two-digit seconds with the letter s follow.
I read 12h47m12s
